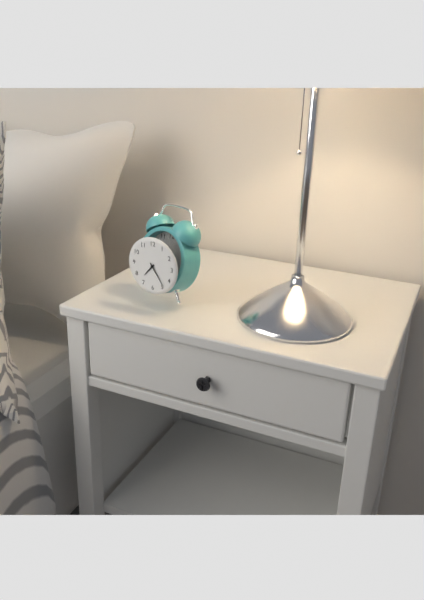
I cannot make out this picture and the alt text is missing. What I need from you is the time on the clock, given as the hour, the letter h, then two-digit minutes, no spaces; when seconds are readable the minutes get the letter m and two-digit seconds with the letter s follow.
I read 7h24
